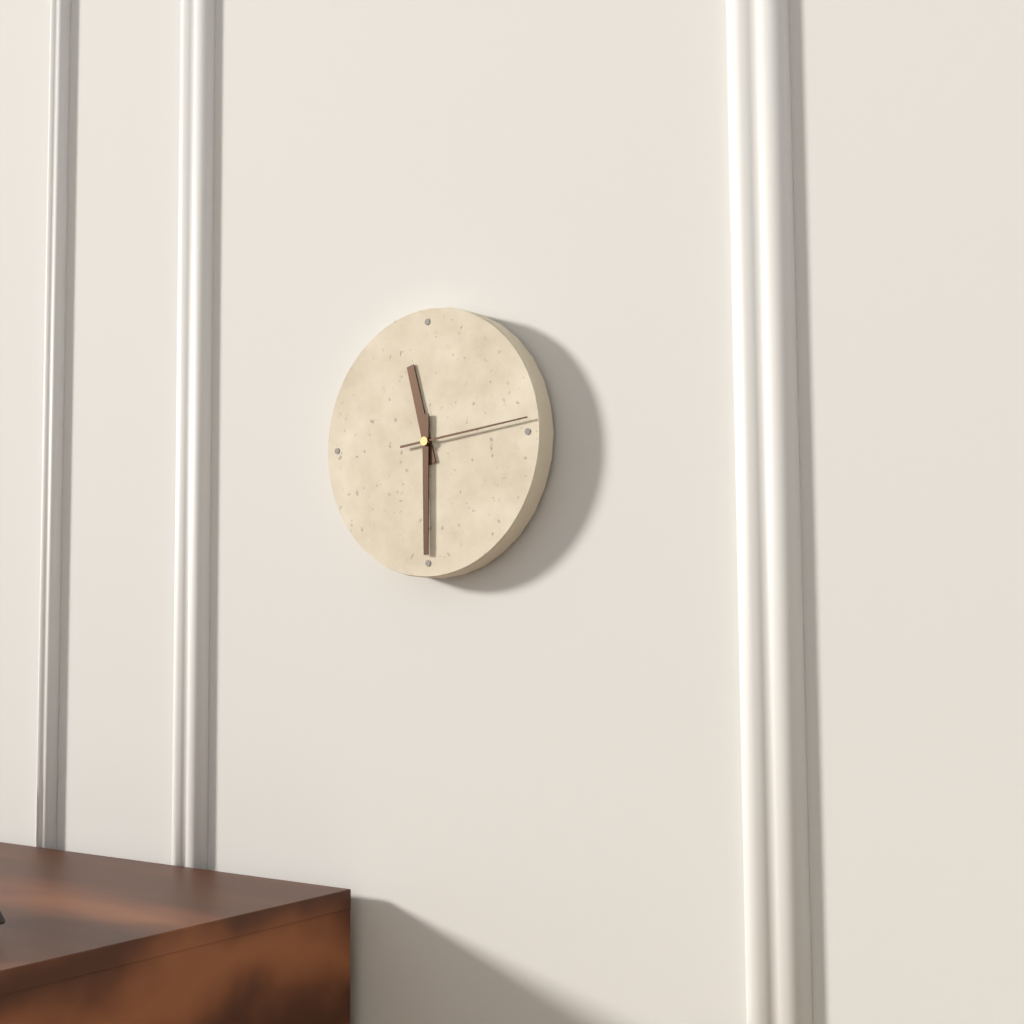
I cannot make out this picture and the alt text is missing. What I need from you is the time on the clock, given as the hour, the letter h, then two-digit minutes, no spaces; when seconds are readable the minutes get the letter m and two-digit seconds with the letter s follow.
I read 11h30m14s
